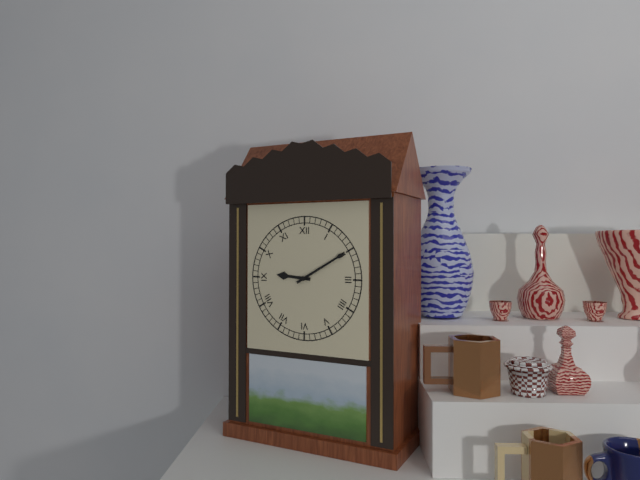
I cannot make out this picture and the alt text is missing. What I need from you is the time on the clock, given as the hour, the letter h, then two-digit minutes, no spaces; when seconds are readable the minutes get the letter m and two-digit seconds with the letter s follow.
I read 9h10
